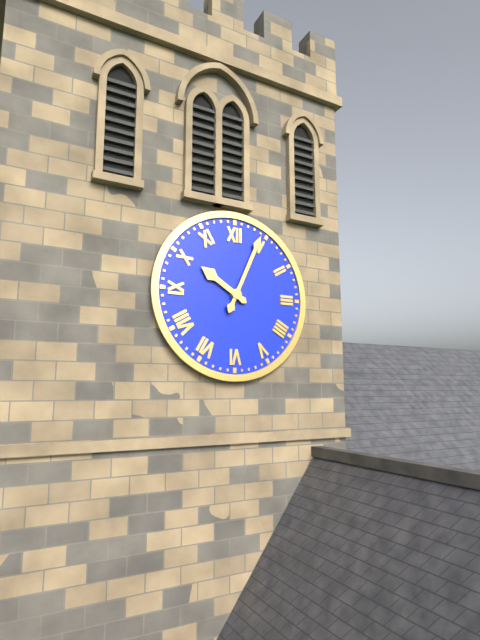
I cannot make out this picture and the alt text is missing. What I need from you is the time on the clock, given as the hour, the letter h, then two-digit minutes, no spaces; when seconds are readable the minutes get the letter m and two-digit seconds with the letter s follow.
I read 10h04
